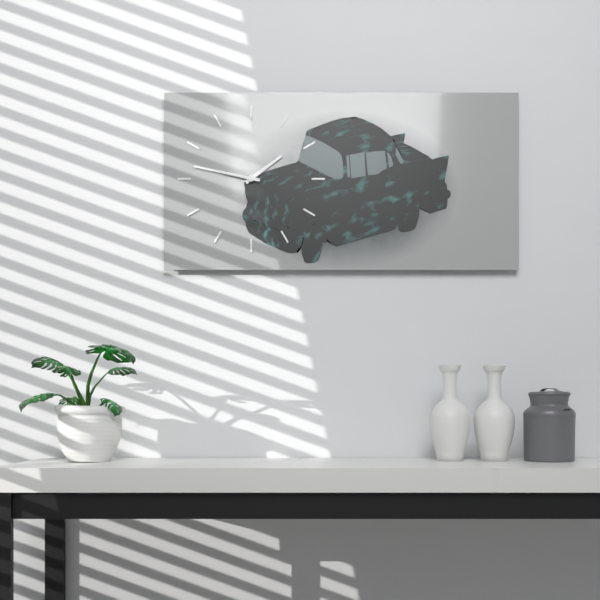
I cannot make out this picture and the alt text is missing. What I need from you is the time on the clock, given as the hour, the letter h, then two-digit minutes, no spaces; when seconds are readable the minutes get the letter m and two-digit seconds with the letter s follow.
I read 1h47
